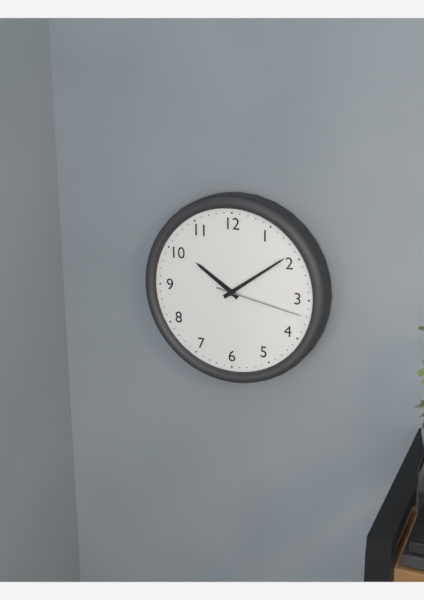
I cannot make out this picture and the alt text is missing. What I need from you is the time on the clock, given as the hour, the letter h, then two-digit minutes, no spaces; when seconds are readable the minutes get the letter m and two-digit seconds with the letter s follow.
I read 10h09m17s
